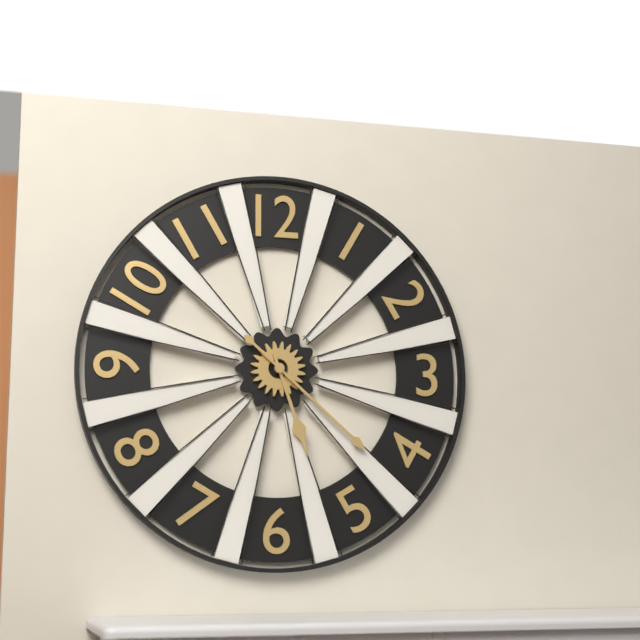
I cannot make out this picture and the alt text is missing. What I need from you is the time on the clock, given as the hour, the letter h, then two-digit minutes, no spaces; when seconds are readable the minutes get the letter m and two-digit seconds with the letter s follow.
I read 5h22
